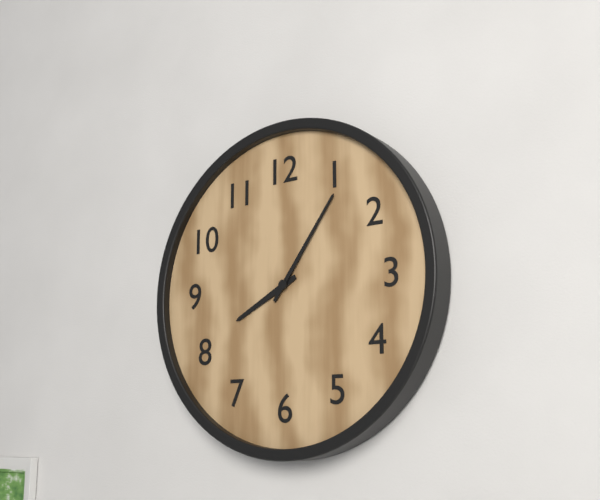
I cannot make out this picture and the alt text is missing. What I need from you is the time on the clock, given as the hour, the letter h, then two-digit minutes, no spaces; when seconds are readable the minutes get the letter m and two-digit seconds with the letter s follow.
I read 8h06
